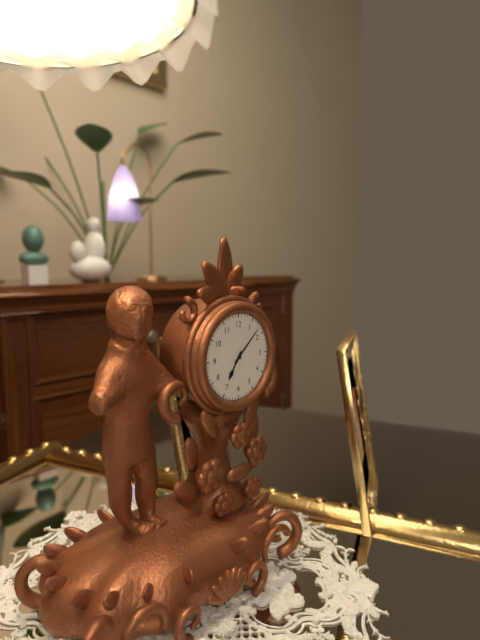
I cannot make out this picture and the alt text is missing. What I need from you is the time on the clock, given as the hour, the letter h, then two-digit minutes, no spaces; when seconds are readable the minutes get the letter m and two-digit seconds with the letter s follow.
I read 7h08
